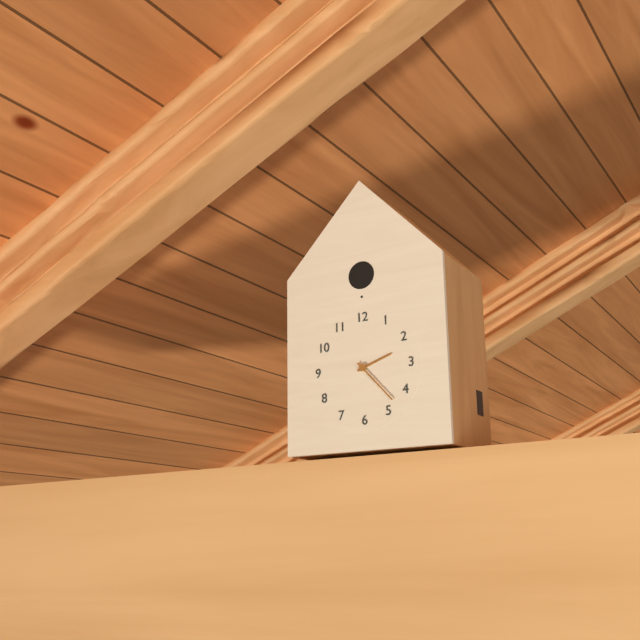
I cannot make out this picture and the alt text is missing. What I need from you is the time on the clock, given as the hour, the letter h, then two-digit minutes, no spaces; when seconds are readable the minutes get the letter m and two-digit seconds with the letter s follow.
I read 2h23
